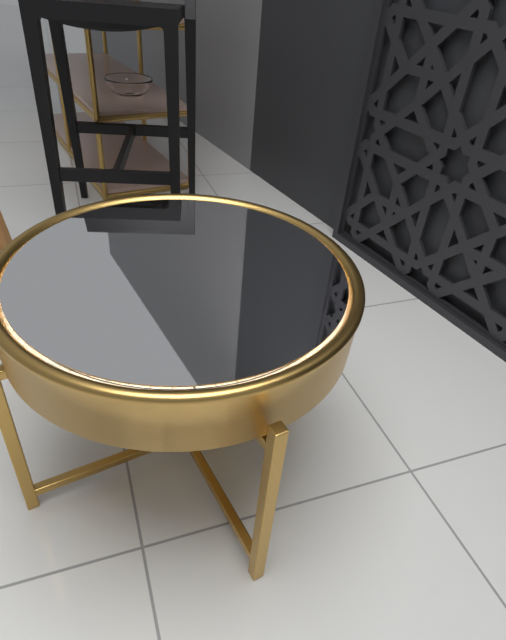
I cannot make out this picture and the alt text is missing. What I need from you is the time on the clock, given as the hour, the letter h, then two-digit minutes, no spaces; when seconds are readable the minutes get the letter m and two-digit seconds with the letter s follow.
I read 4h58
